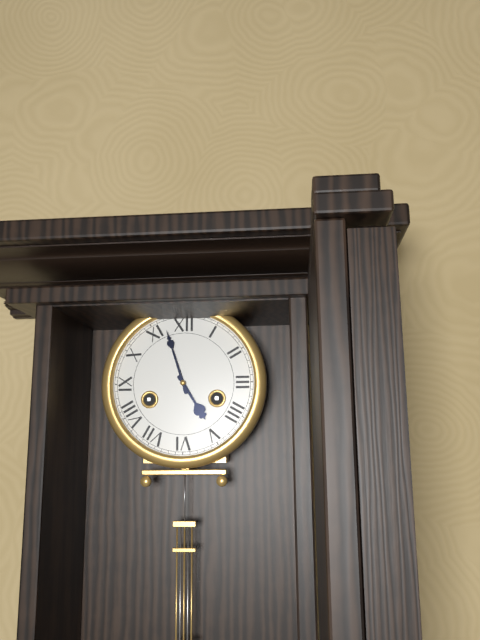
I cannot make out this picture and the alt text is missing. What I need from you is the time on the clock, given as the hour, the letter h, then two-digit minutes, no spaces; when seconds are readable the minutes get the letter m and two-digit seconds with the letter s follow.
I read 4h57
